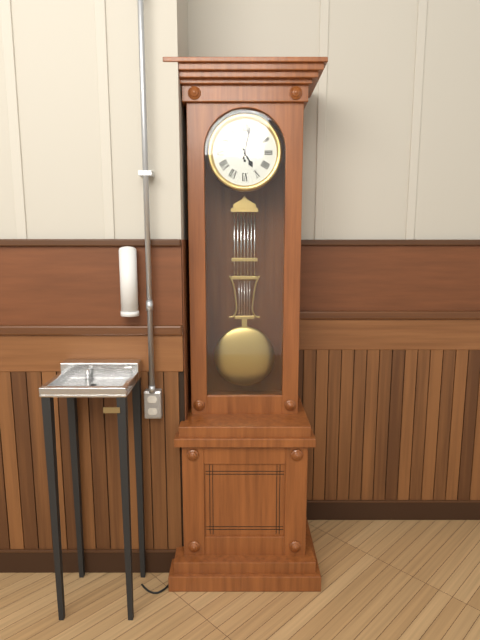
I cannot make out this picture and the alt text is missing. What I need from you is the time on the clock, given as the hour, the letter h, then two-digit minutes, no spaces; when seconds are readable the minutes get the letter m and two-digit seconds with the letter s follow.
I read 5h02
